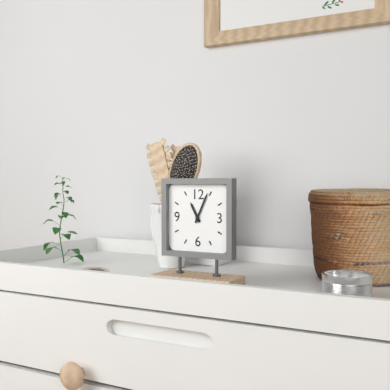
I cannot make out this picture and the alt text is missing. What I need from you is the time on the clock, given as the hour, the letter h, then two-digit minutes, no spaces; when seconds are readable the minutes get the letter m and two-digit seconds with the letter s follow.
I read 11h04
